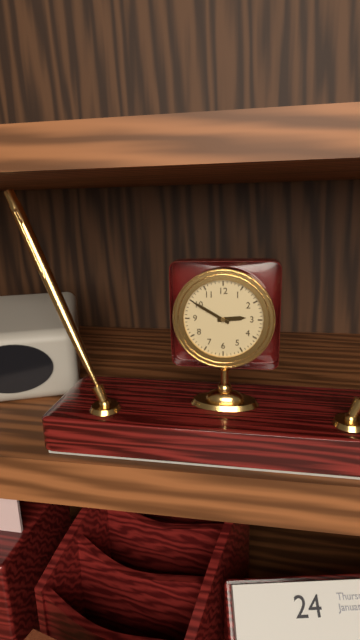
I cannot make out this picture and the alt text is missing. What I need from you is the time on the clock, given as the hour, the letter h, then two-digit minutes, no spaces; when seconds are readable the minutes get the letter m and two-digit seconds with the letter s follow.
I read 2h50
